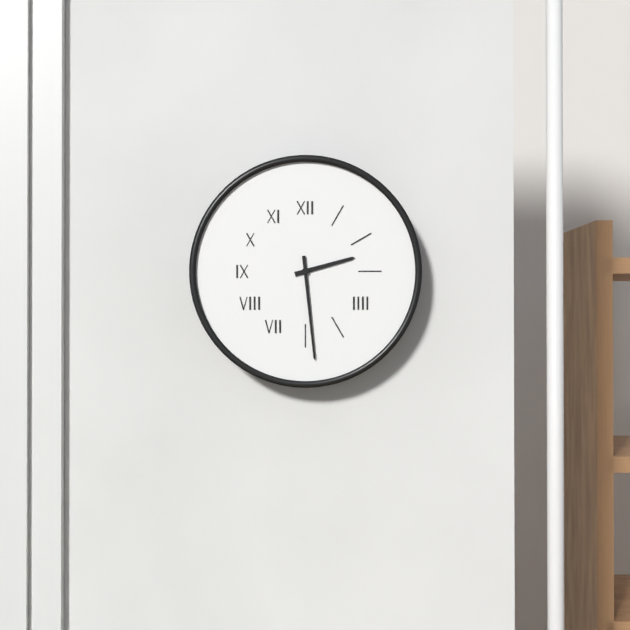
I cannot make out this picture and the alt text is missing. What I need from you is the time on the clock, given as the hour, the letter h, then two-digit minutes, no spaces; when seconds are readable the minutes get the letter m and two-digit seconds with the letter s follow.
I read 2h29
